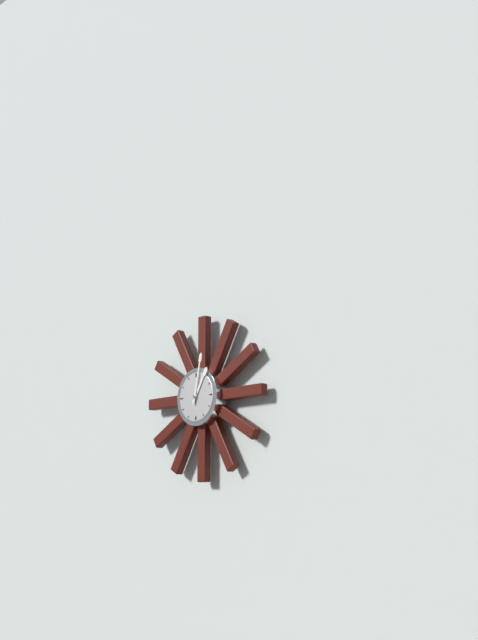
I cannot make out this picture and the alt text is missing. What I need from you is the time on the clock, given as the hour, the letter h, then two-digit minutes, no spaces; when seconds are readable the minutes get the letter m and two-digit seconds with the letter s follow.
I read 1h02
